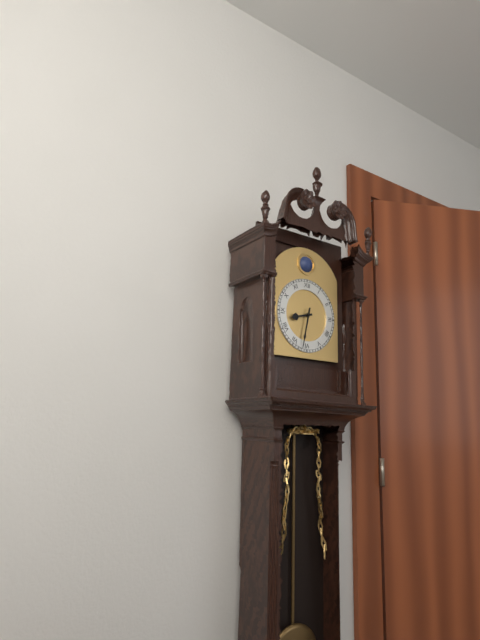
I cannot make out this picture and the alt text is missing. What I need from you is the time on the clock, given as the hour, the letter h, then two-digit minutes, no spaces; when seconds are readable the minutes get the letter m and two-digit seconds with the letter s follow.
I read 8h32
